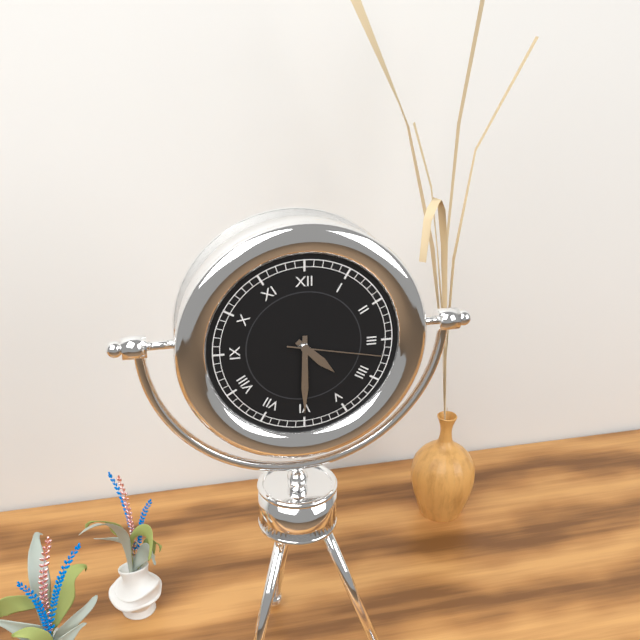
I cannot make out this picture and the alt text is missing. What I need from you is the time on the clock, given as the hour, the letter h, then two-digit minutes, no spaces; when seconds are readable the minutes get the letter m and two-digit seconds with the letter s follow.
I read 4h30m17s
